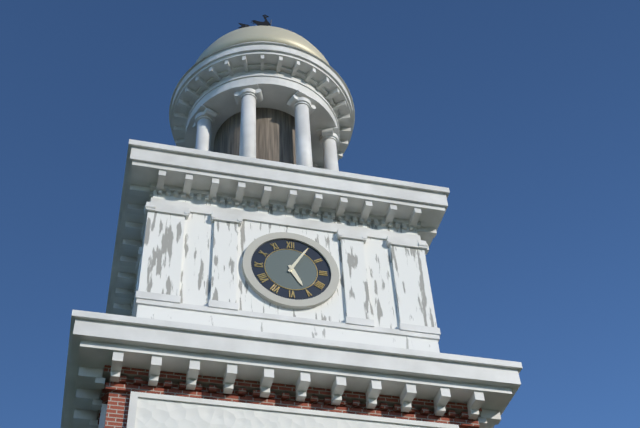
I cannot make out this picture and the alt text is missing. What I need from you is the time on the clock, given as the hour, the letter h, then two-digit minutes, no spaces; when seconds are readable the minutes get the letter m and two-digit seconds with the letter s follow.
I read 5h05
